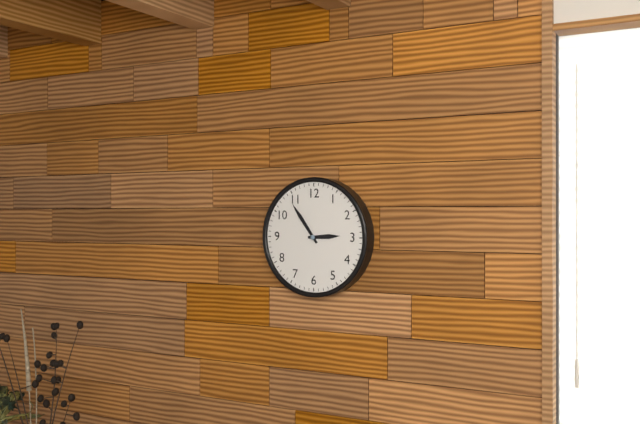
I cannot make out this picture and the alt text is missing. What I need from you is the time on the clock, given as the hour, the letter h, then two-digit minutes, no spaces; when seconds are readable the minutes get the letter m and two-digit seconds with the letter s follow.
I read 2h54
